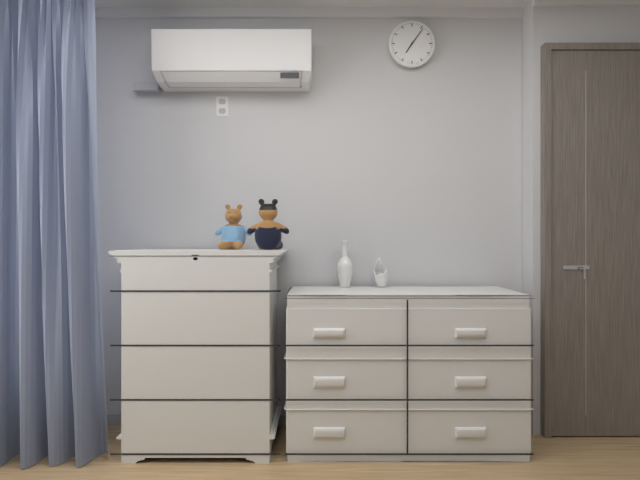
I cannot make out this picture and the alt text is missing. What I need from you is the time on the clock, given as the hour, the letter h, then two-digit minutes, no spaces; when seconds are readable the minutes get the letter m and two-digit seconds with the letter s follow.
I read 7h06
